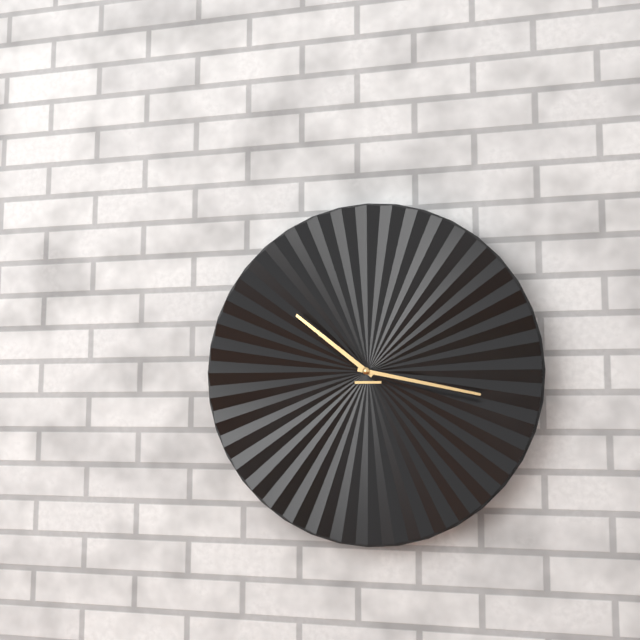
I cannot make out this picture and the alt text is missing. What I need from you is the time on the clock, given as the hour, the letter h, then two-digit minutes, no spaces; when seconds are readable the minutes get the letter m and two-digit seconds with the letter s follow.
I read 10h17
